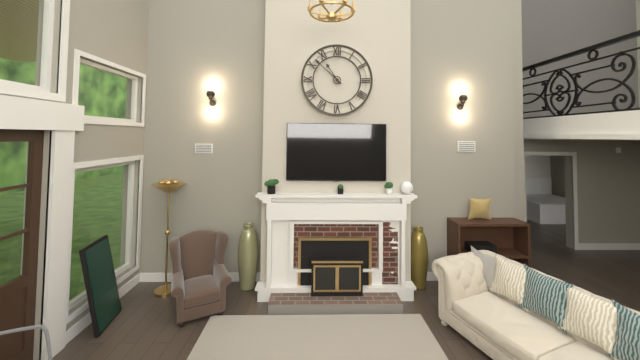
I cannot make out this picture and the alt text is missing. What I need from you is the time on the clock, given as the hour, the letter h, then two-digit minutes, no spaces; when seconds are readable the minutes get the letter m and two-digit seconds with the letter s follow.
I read 10h52
